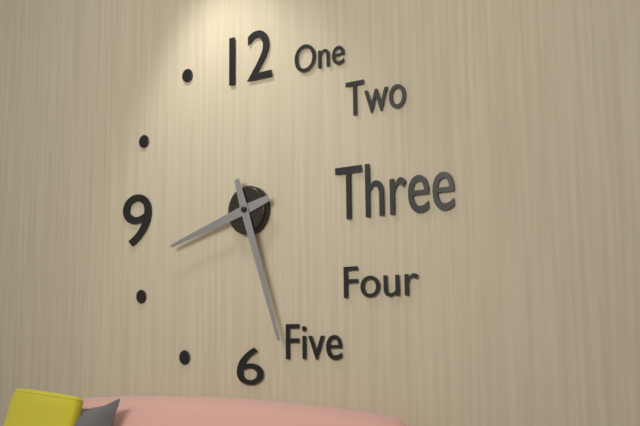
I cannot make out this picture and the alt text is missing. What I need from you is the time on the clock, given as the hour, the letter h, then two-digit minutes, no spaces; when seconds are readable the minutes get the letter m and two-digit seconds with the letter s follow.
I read 8h27
